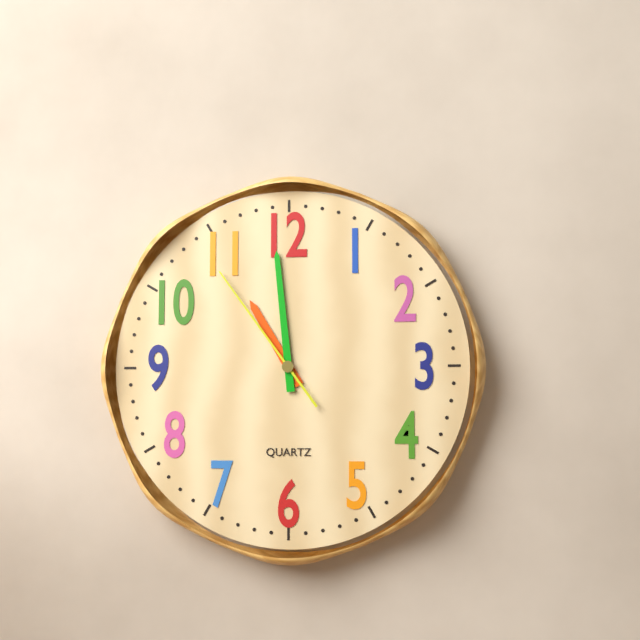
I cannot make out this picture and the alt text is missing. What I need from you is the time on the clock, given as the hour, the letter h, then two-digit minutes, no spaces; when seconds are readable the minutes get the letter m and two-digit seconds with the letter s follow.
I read 10h59m54s
